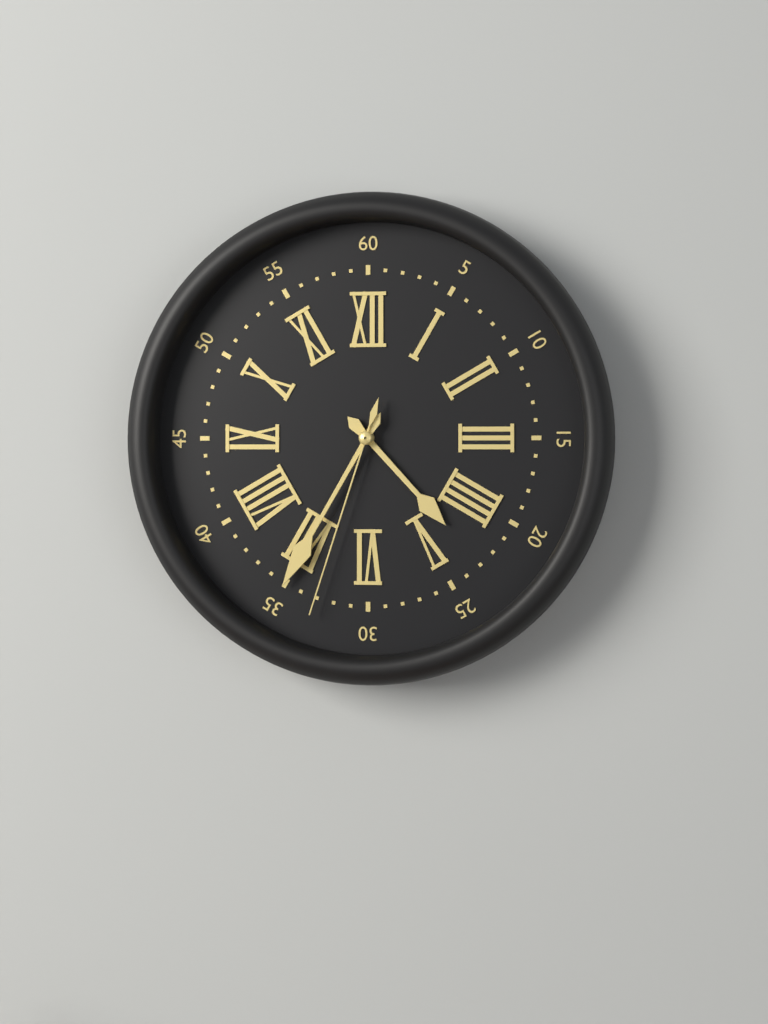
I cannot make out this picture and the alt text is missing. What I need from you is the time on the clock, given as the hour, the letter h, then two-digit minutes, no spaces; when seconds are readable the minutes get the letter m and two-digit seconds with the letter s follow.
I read 4h35m33s
